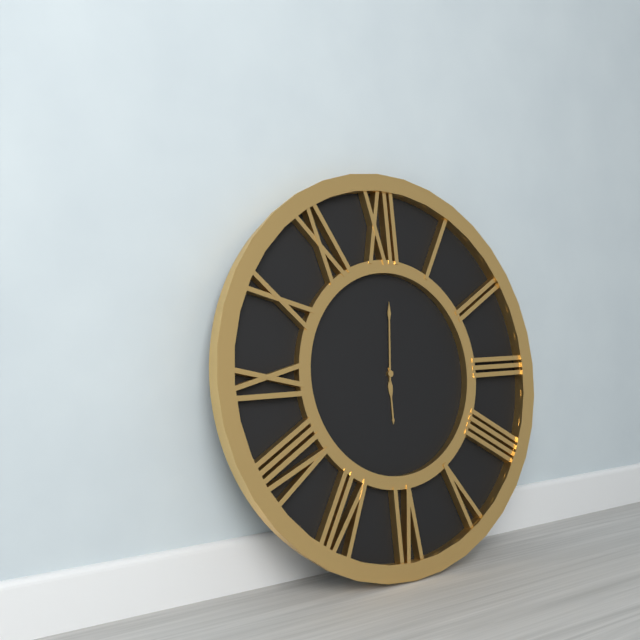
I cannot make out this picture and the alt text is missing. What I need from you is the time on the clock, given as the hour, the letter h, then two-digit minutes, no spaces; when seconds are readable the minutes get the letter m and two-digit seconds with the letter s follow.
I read 6h01
